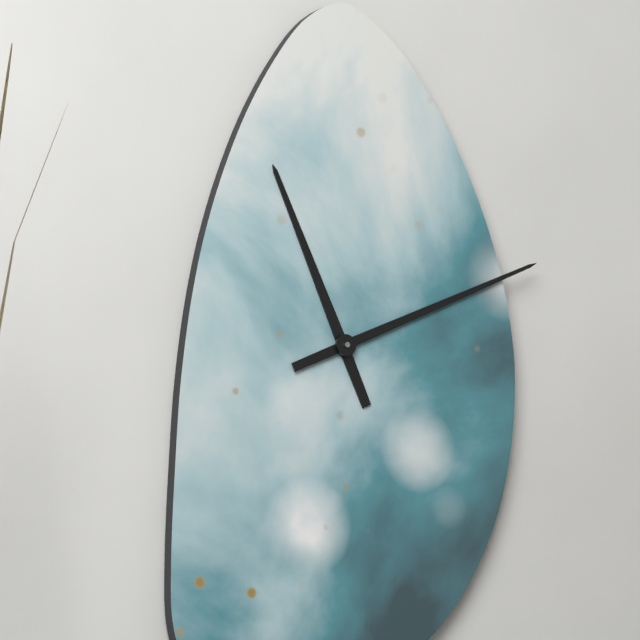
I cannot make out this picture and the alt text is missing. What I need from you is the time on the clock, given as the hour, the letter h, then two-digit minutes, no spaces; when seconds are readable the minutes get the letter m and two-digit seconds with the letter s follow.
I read 11h11
